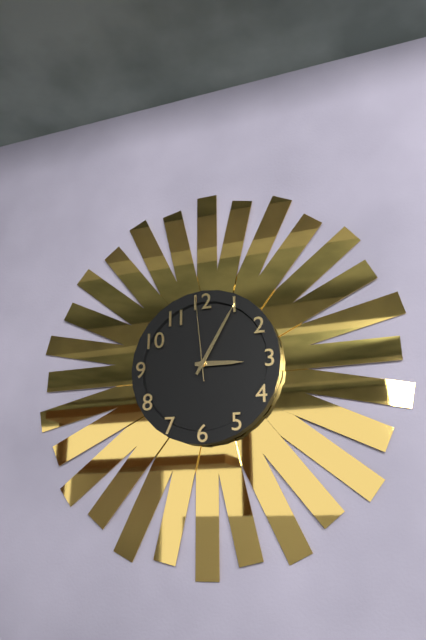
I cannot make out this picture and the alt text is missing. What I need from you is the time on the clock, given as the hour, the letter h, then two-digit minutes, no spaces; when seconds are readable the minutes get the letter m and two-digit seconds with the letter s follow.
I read 3h05m59s
